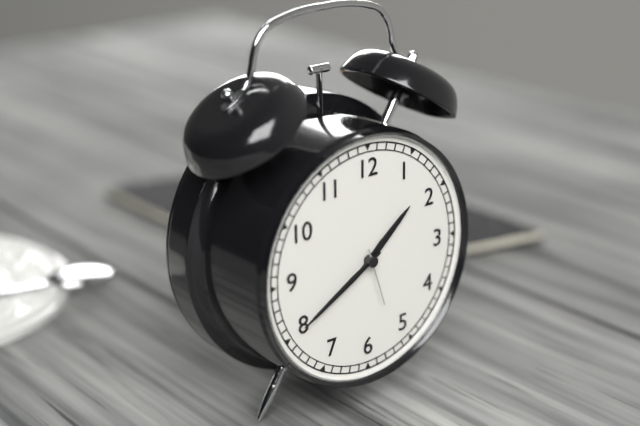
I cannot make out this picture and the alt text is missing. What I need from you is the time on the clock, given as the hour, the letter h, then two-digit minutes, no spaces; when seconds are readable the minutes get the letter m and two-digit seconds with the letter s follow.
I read 1h40m27s
